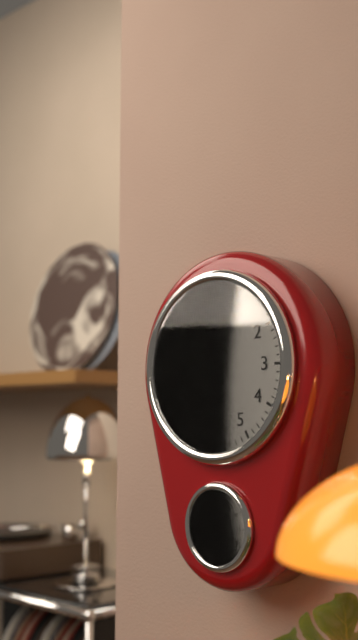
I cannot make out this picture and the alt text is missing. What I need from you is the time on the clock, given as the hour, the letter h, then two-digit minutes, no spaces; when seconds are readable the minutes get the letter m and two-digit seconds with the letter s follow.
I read 5h58m35s
